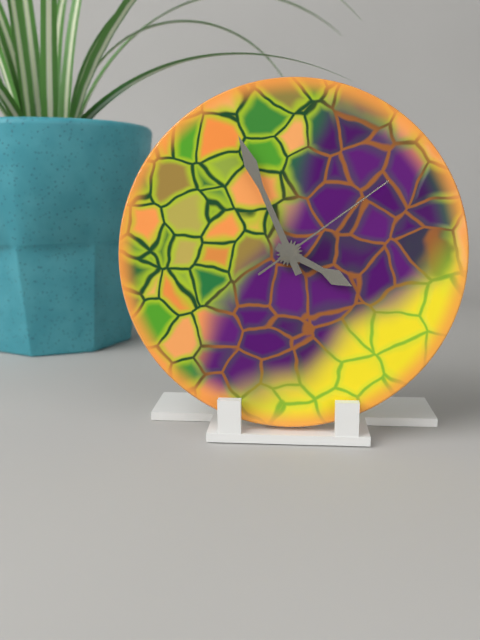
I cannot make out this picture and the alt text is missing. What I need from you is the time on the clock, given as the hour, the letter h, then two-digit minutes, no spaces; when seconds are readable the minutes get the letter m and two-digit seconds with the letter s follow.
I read 3h56m09s
